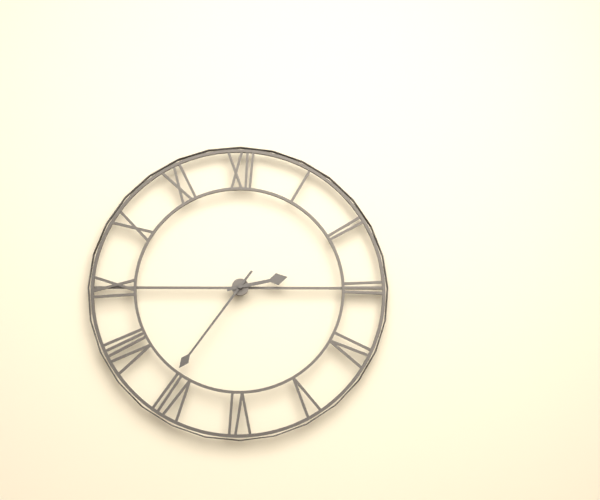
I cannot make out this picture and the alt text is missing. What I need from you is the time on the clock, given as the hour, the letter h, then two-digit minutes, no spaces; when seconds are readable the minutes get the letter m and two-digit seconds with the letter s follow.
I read 2h36
